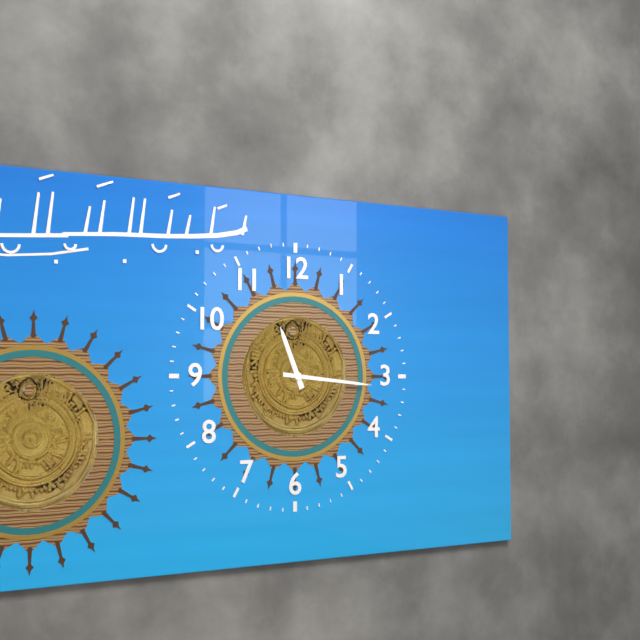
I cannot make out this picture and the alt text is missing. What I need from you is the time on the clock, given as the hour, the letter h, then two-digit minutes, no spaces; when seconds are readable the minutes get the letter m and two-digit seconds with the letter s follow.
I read 11h16
